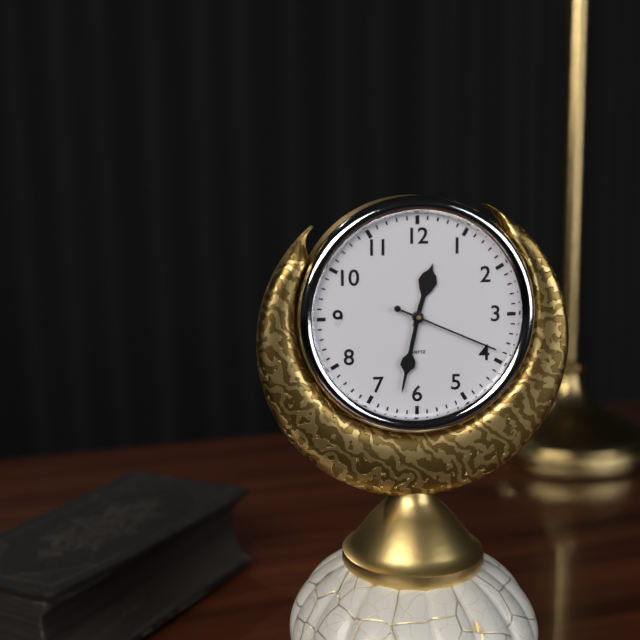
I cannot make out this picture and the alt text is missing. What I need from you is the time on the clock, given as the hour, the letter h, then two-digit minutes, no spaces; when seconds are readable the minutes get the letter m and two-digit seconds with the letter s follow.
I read 12h32m19s
